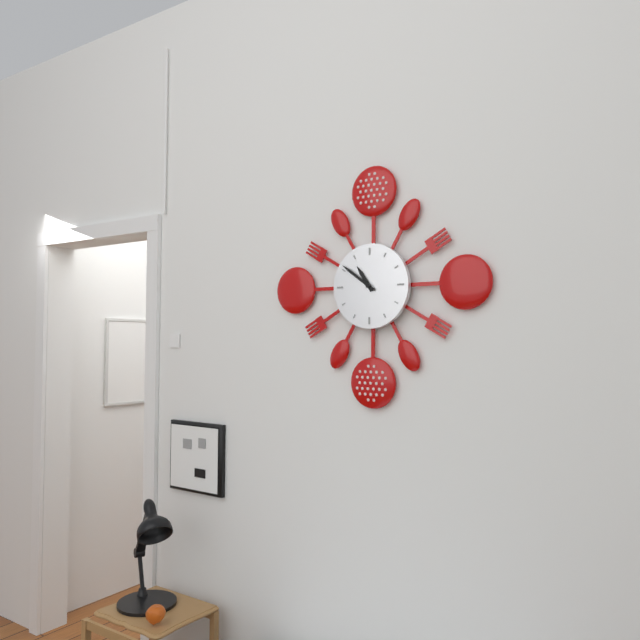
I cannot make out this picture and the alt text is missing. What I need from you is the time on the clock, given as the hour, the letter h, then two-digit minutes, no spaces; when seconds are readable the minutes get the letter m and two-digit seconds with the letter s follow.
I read 10h51
